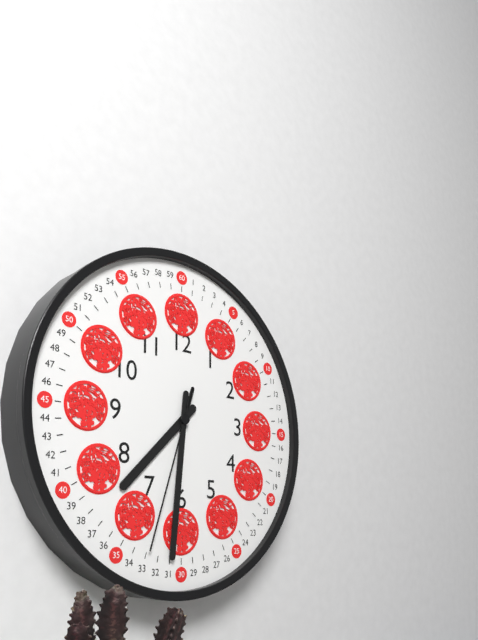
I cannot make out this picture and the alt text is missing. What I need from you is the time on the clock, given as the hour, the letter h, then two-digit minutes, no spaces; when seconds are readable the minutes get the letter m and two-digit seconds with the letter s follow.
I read 7h31m33s
